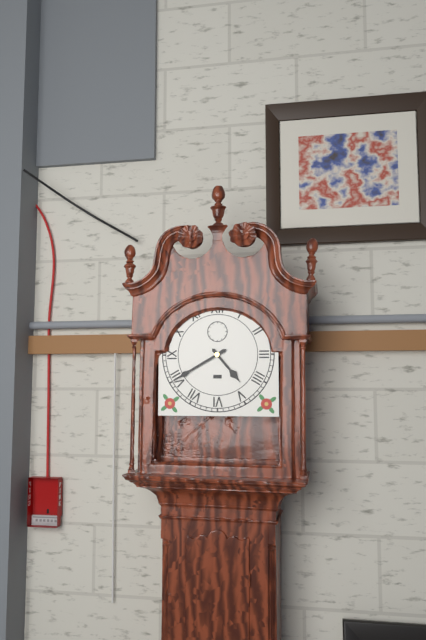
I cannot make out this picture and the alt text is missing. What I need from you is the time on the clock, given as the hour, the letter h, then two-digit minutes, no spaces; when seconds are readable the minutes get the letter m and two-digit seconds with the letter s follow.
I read 4h40
